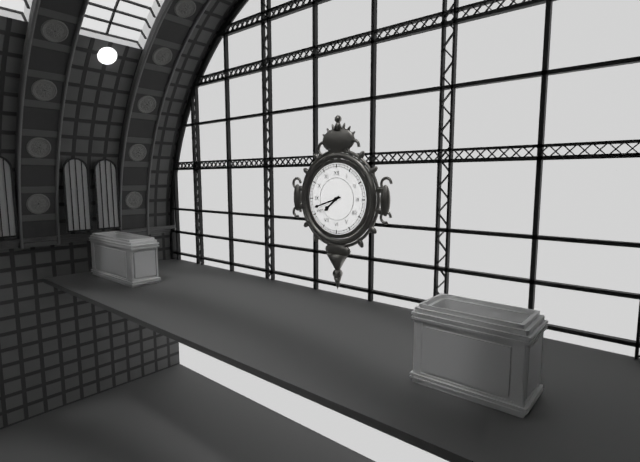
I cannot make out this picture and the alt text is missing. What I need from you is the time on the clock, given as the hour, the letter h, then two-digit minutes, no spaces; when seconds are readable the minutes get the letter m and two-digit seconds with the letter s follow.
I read 7h42
